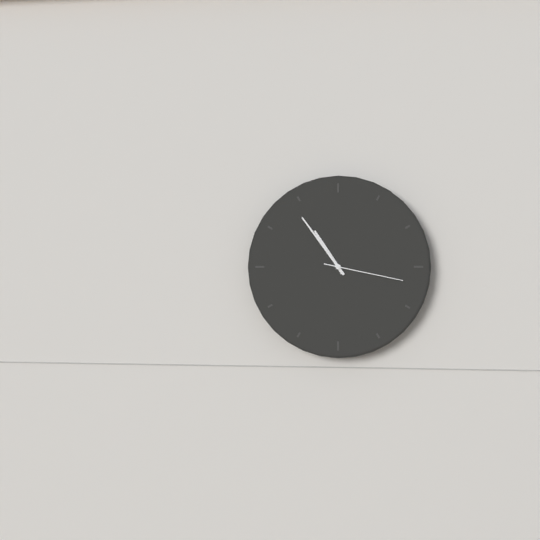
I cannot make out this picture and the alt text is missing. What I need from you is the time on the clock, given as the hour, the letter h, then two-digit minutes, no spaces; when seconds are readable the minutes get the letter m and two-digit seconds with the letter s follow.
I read 10h54m17s
